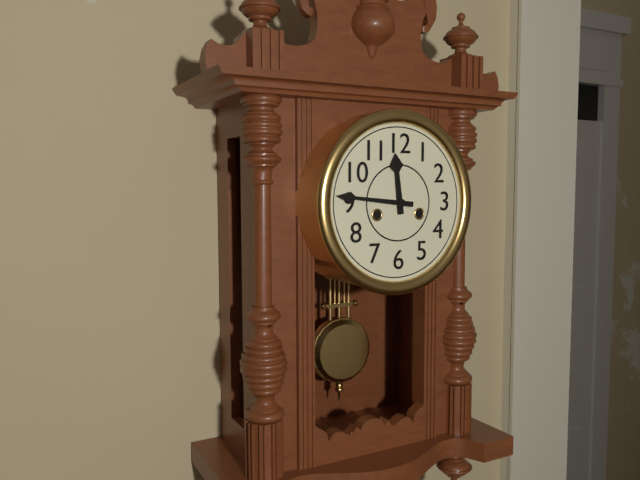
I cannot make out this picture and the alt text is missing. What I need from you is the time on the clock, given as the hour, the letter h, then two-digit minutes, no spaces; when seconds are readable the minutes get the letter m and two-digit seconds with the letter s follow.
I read 11h46
